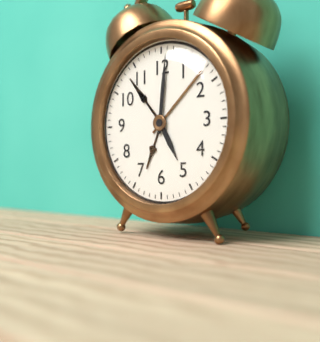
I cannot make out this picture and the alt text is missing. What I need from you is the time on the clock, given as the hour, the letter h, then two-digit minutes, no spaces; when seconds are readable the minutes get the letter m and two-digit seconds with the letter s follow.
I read 5h01
